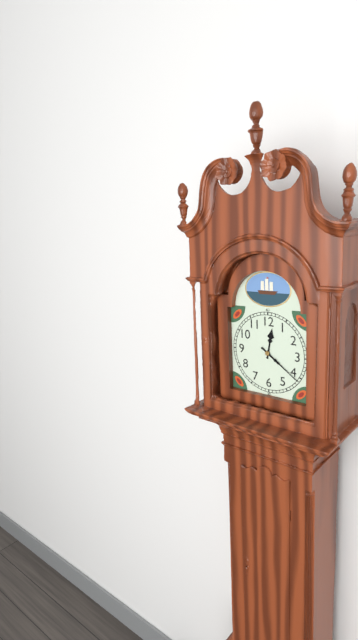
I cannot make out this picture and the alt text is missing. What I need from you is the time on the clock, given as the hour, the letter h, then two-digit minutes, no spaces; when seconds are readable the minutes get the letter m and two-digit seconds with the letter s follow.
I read 12h21
